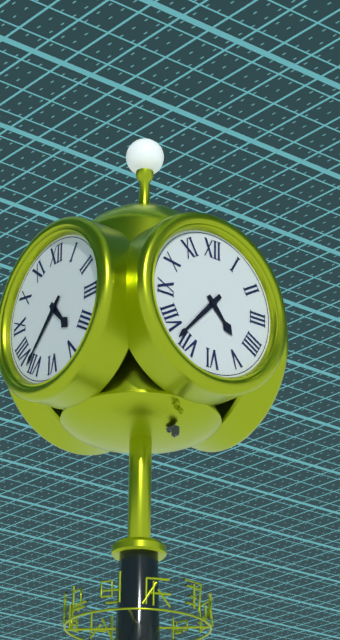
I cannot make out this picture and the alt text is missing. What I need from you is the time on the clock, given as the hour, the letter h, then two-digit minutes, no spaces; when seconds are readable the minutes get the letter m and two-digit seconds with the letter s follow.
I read 4h37
